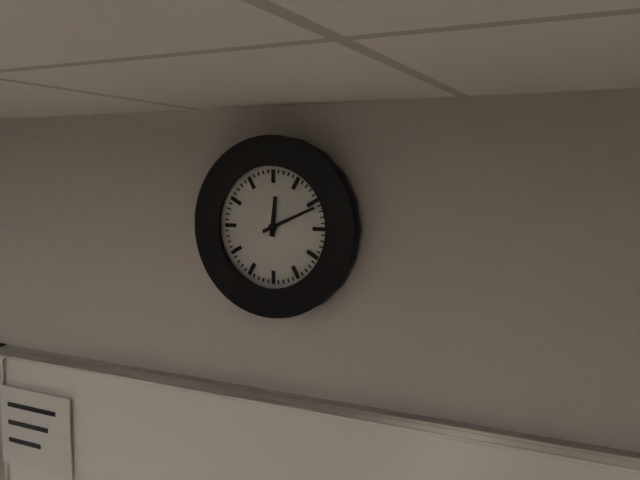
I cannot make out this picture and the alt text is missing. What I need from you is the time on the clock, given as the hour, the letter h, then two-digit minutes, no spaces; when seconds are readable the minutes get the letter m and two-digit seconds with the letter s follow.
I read 12h11
